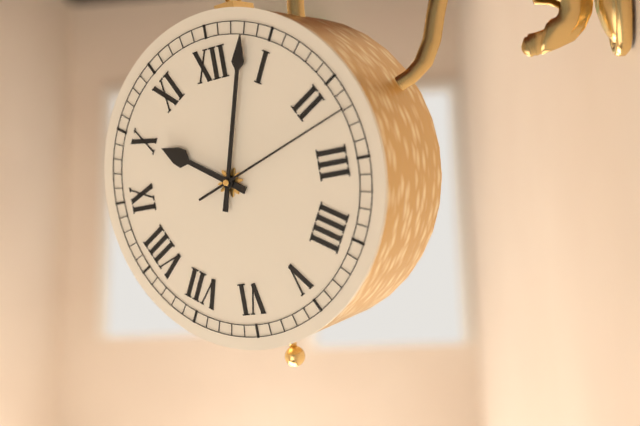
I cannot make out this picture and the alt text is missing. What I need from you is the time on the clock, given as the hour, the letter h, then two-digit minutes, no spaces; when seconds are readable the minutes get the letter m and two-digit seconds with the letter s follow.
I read 10h03m12s
